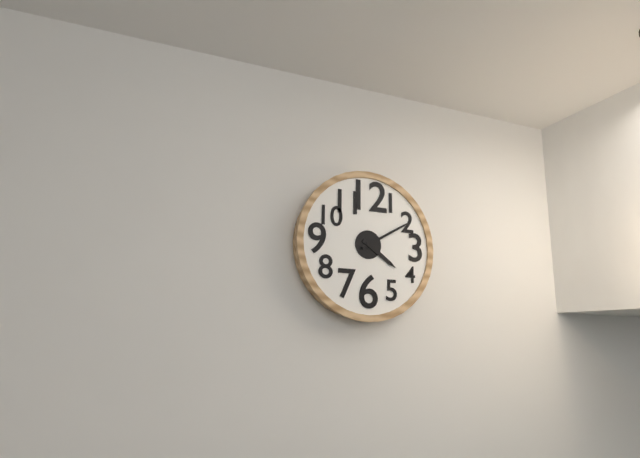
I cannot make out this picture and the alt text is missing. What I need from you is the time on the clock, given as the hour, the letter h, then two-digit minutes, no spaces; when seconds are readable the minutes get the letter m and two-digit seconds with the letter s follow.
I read 4h10
